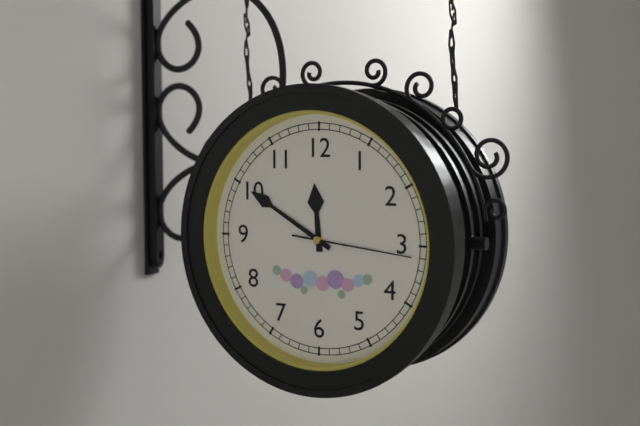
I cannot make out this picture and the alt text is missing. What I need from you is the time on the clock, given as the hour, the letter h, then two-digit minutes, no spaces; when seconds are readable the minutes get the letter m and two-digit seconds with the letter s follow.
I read 11h50m16s
